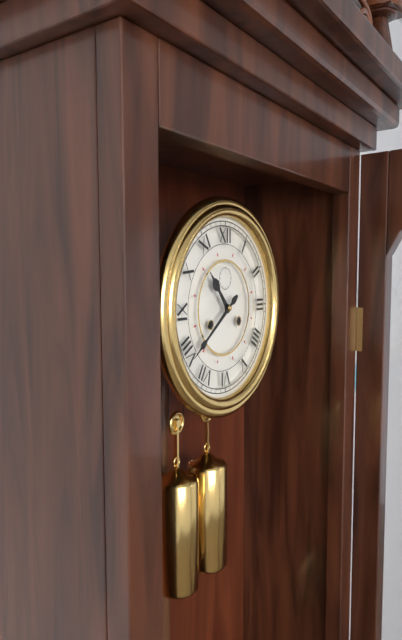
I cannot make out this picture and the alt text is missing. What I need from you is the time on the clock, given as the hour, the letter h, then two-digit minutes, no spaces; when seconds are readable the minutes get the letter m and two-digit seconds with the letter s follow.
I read 10h39
